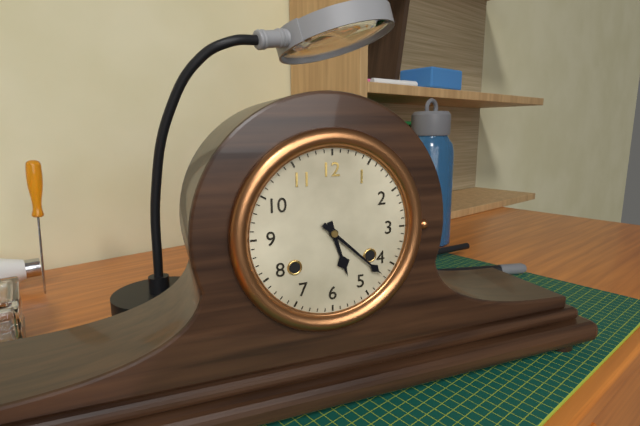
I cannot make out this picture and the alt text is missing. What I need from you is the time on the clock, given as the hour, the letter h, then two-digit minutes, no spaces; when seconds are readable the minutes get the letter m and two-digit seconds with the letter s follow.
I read 5h22
